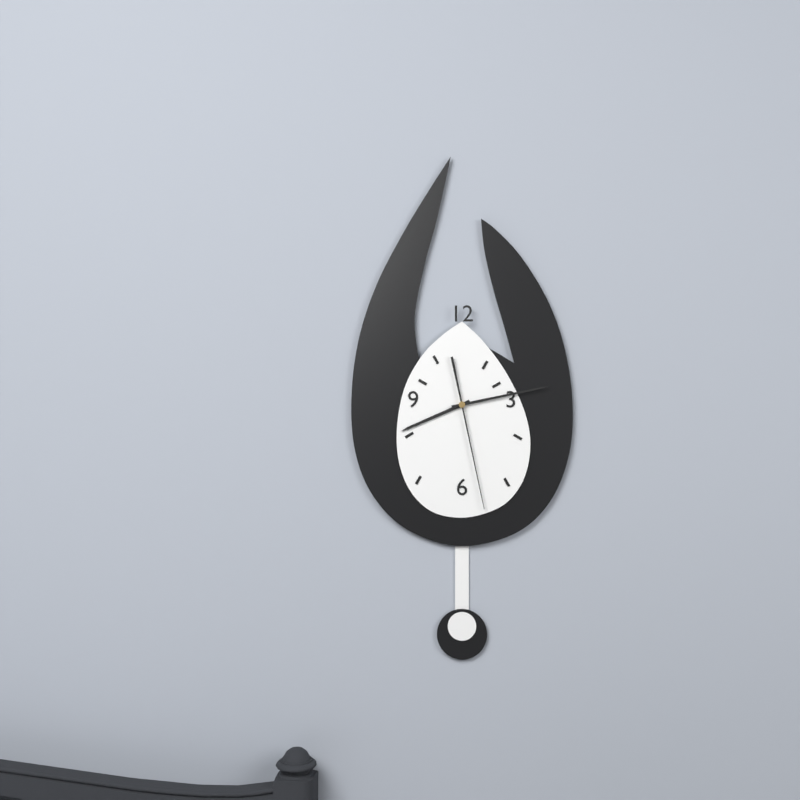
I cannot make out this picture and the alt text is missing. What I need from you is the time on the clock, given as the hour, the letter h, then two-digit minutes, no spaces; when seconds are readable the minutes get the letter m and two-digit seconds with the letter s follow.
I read 8h13m28s
